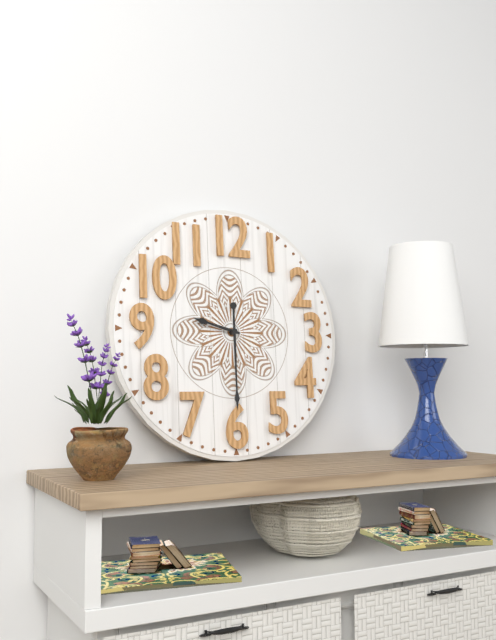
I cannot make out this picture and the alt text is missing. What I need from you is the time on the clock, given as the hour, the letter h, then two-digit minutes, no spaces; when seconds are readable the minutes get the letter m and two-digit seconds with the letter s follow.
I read 9h30
